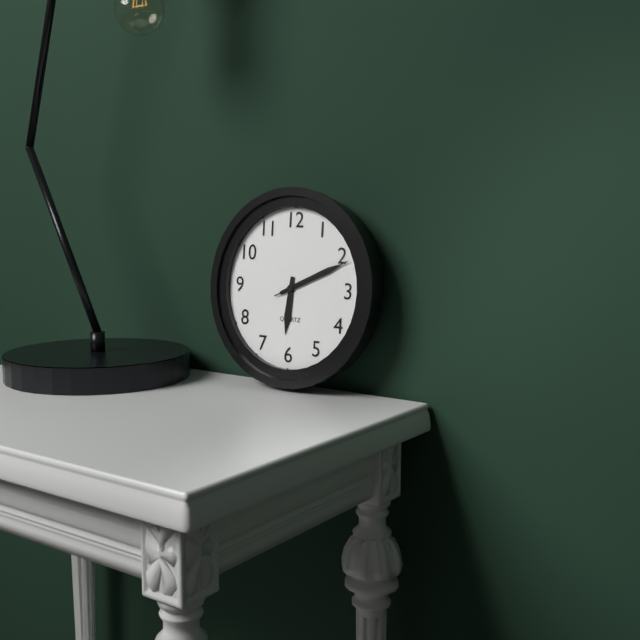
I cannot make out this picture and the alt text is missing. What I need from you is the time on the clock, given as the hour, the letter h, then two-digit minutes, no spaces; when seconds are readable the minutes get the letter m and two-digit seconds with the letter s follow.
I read 6h11m11s
